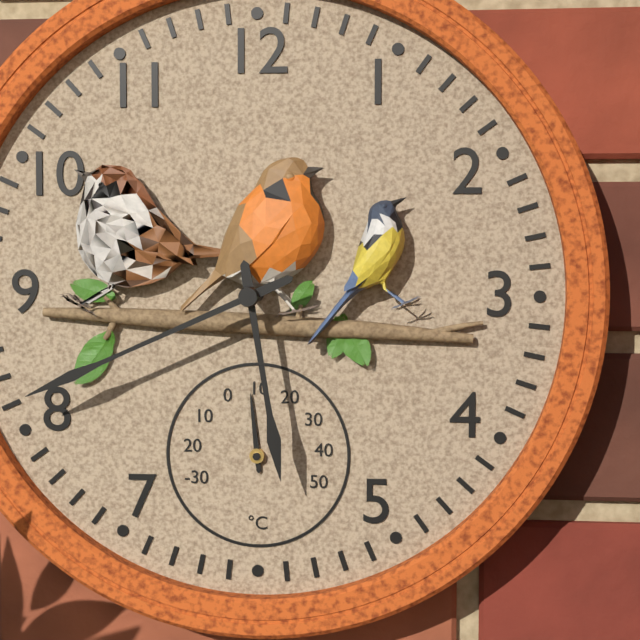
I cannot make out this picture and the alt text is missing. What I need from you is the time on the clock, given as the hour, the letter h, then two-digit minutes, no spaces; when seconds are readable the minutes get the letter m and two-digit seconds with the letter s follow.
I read 5h41
